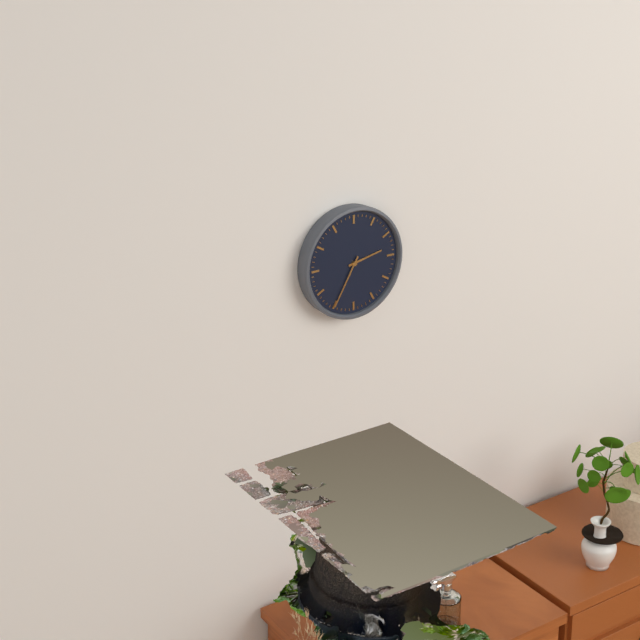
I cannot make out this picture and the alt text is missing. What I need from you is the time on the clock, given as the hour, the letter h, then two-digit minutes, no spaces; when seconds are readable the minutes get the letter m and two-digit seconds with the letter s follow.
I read 2h35
